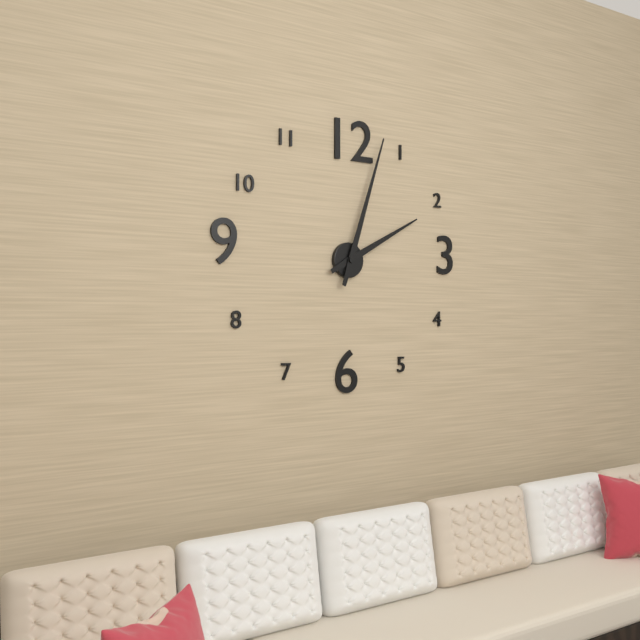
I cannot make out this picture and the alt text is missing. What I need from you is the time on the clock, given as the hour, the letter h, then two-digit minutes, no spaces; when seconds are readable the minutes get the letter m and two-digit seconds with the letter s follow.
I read 2h03
